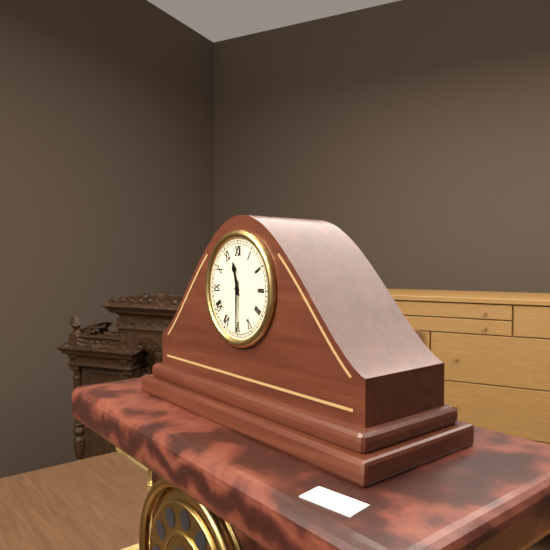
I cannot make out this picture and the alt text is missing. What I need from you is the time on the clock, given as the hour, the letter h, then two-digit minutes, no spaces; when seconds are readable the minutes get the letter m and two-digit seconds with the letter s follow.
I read 11h30
